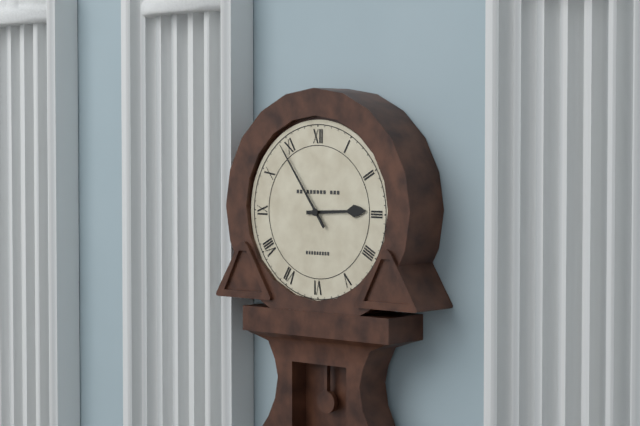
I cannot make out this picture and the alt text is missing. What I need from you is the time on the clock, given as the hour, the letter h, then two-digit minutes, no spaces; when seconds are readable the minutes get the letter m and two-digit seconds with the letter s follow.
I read 2h54
